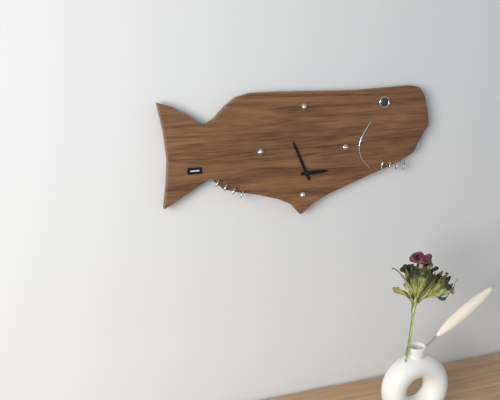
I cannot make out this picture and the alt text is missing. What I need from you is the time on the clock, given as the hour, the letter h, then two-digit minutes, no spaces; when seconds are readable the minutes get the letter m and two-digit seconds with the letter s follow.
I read 2h56
